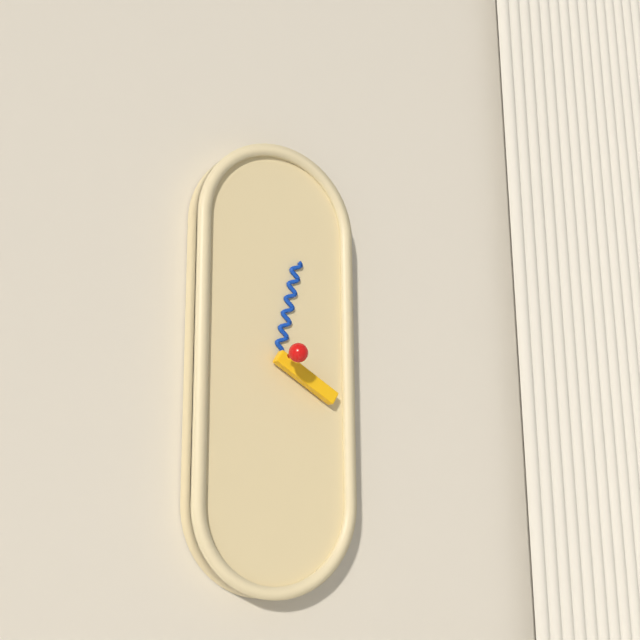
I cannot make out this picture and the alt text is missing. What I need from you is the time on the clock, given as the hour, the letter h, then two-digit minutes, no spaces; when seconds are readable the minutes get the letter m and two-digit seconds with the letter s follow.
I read 4h02
